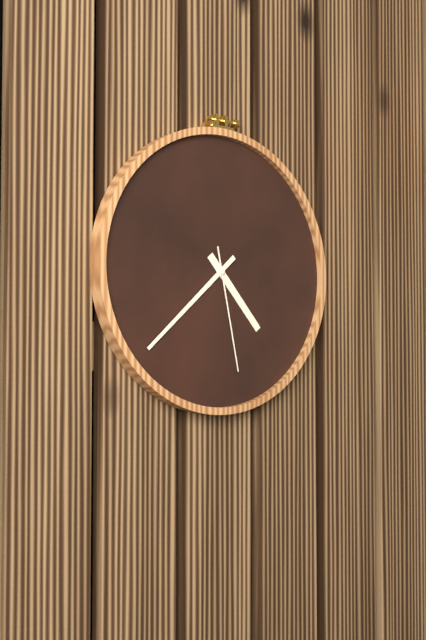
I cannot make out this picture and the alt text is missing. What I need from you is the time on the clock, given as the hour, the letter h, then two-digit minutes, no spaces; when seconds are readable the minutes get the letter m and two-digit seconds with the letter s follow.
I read 4h38m28s
